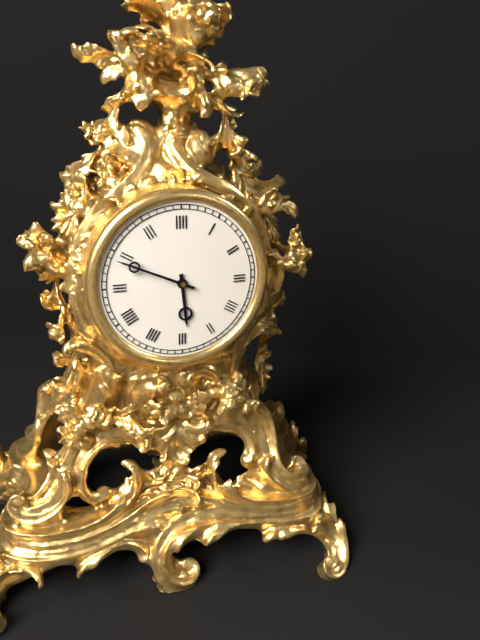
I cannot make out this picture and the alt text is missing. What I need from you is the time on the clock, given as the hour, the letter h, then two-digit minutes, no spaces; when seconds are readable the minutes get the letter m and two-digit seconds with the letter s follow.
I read 5h49
